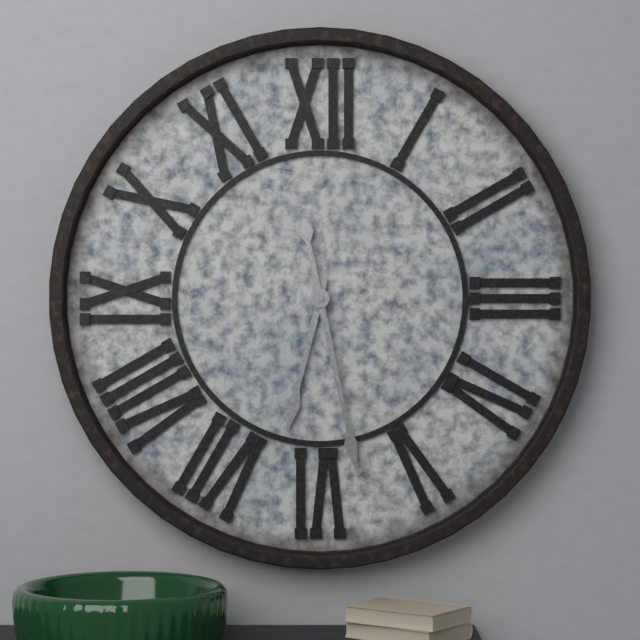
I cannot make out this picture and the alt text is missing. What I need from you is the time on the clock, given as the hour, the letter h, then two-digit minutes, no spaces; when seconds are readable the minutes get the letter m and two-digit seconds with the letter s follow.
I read 6h28
